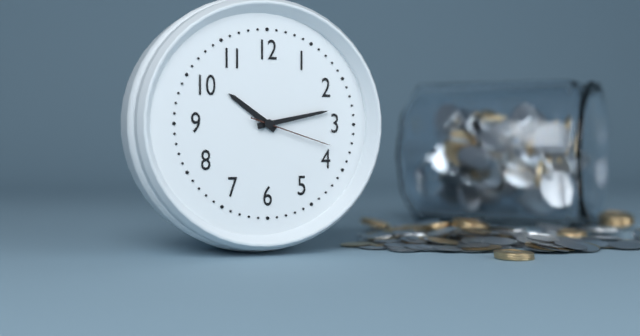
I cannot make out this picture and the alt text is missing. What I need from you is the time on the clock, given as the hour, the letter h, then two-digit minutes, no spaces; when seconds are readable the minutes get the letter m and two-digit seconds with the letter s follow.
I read 10h13m18s
